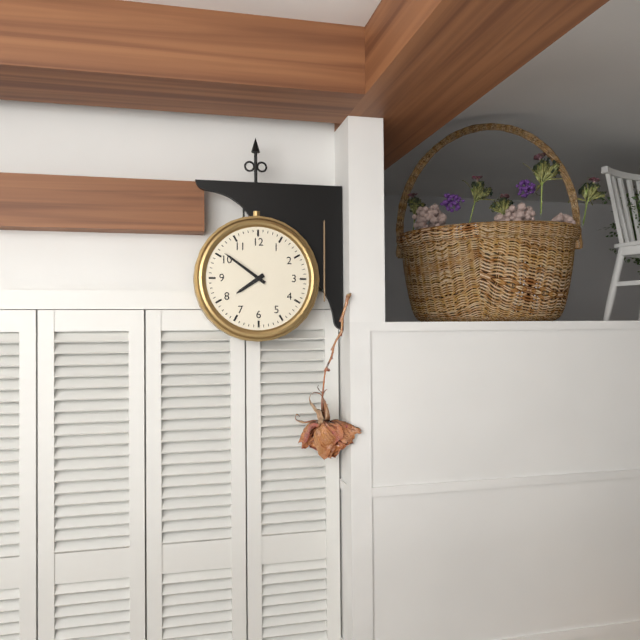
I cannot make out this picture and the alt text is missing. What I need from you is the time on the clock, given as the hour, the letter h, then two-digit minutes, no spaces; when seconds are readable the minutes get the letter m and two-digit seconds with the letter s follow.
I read 7h51
